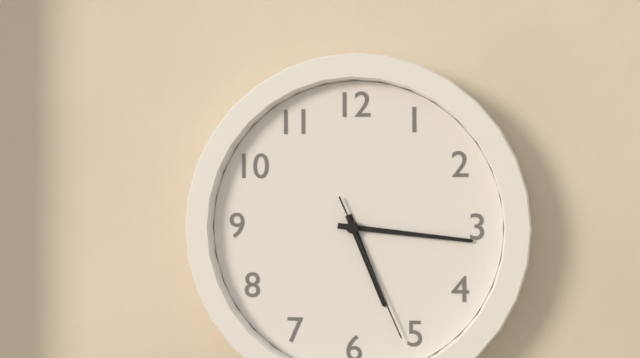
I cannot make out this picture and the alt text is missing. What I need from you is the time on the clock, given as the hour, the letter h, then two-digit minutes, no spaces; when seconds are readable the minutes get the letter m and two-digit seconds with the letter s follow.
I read 5h16m26s
